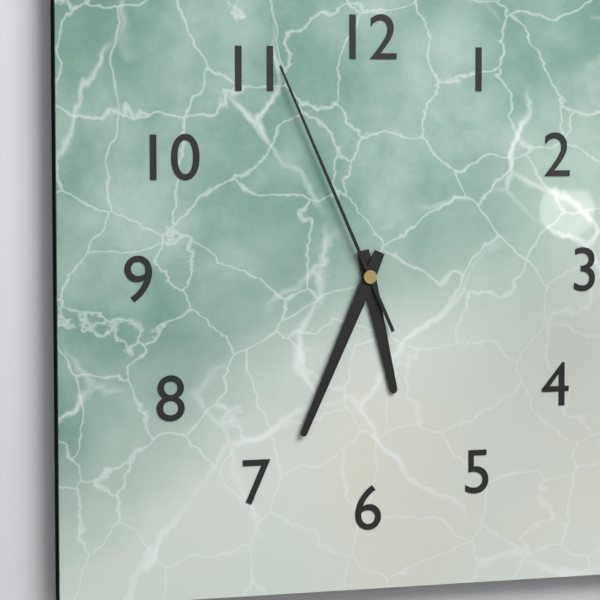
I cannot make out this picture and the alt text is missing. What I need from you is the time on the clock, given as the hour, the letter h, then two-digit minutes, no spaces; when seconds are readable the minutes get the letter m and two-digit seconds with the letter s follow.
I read 5h34m56s
